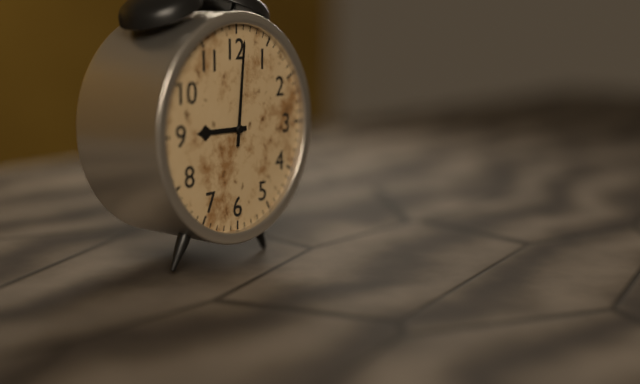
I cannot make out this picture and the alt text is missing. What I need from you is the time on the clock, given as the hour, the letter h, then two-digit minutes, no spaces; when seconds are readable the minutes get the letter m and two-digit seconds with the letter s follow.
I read 9h01
